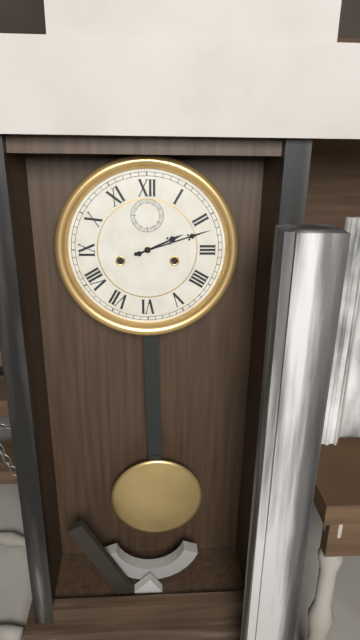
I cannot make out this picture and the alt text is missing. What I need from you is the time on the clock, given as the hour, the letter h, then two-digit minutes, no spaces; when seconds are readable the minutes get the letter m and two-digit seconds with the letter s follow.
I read 2h12
